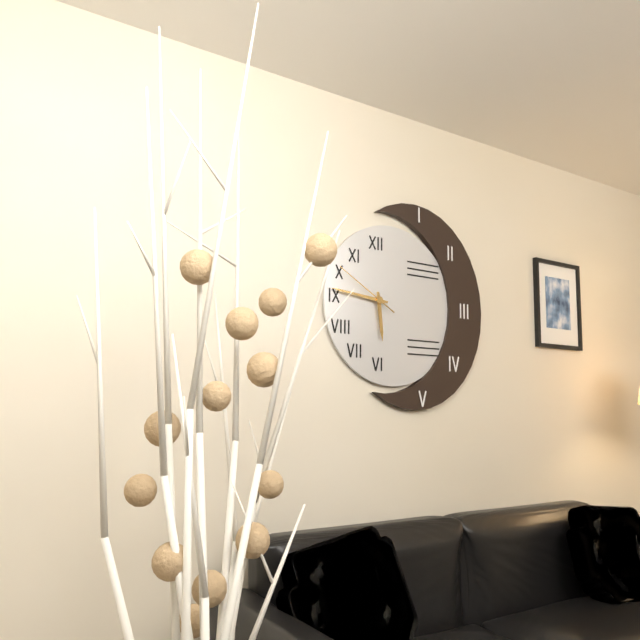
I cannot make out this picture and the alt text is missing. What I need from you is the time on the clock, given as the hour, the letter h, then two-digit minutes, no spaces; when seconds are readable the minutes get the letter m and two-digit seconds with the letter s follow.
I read 5h46m50s
